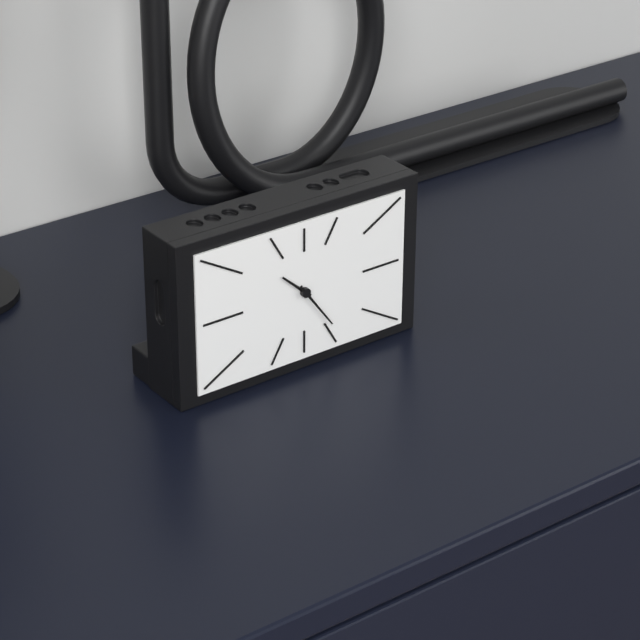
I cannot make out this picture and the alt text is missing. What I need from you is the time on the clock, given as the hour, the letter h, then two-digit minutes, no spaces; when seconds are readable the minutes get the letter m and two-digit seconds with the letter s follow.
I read 10h24
